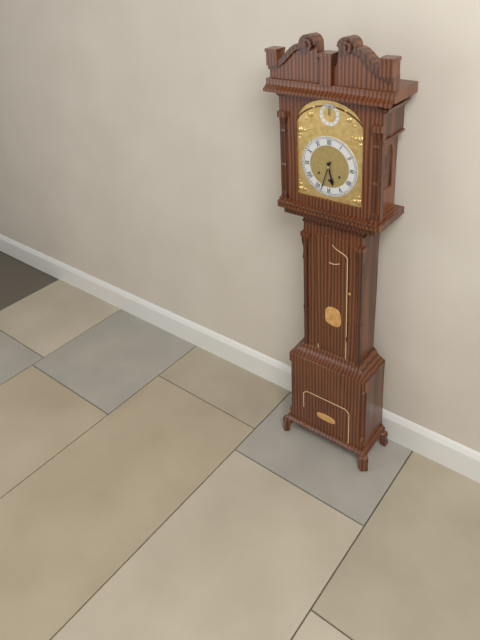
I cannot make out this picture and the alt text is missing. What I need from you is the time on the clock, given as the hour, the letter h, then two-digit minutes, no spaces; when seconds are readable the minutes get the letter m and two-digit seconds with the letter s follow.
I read 5h33
